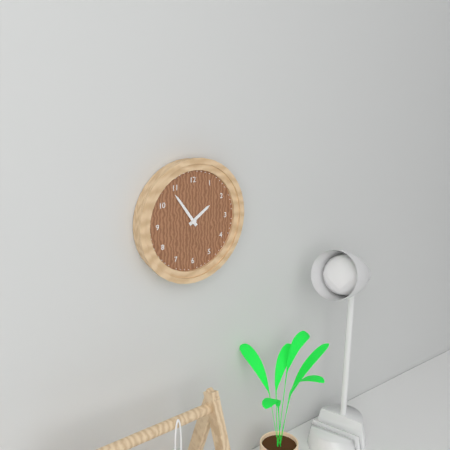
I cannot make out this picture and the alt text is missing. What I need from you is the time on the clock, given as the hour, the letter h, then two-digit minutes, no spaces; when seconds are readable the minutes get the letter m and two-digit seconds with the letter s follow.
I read 1h54
